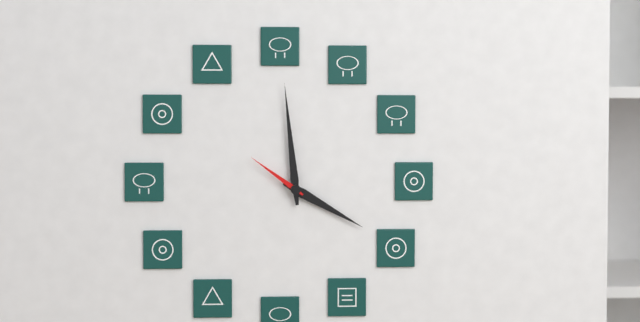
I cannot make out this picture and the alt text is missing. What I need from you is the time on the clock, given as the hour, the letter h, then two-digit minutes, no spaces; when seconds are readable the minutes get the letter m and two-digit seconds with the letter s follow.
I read 3h59m51s
